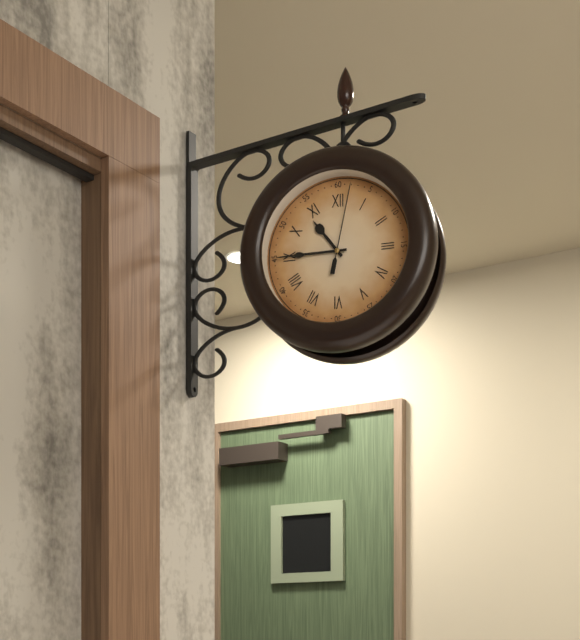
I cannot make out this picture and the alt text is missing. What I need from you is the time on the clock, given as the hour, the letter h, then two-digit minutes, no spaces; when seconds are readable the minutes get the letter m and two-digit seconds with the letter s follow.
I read 10h45m02s
